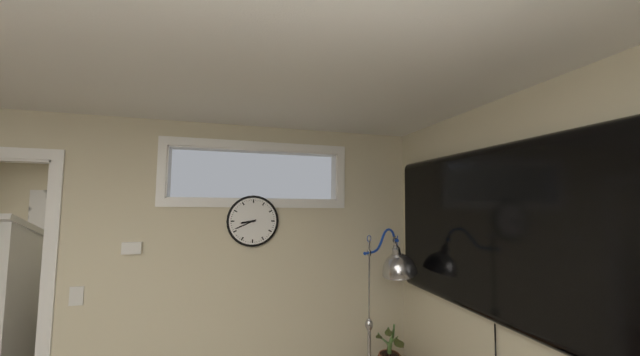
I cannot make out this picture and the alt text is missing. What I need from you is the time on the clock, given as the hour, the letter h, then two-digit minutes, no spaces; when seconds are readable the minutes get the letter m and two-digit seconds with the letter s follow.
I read 8h41
